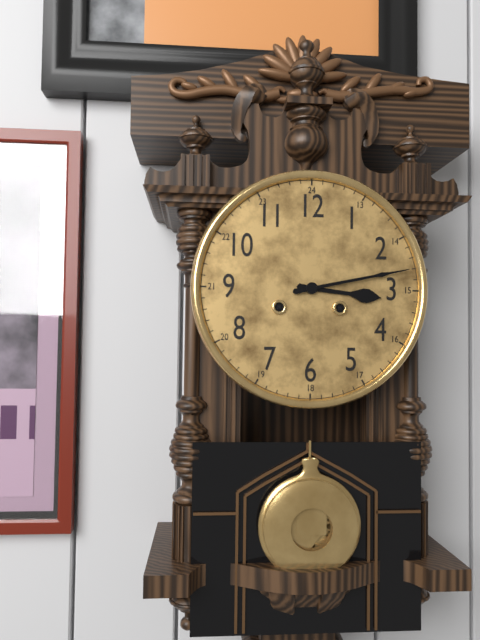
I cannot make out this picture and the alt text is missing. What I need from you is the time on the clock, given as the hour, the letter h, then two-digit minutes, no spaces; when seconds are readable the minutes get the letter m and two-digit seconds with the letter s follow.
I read 3h13
